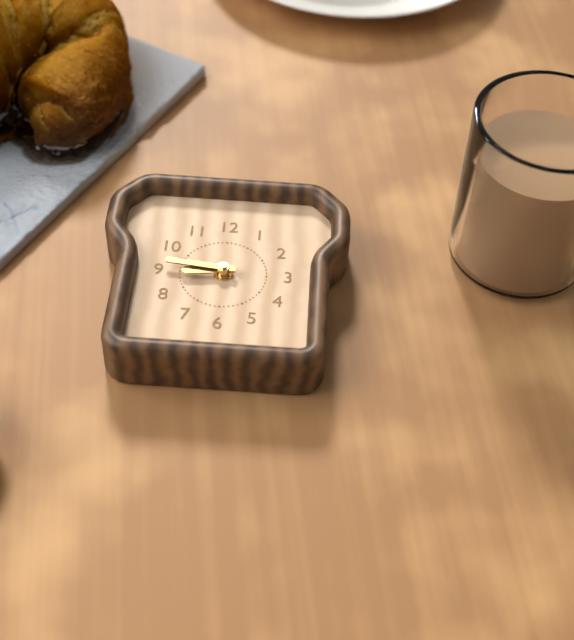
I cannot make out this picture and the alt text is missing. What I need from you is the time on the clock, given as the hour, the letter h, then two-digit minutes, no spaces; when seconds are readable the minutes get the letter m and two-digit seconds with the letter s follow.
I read 8h46
